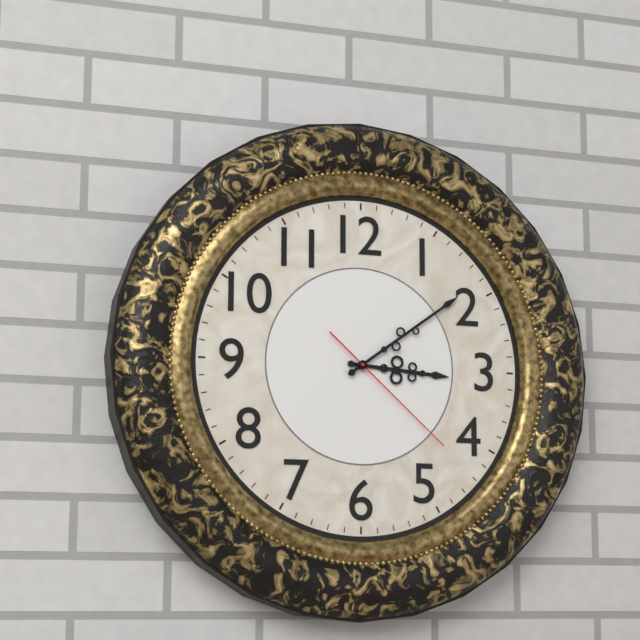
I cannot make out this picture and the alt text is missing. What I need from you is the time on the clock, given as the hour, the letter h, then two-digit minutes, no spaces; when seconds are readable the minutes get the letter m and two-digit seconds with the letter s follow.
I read 3h09m22s
